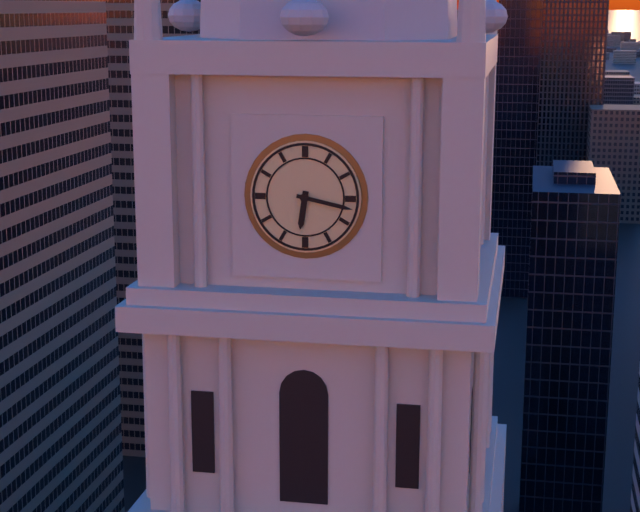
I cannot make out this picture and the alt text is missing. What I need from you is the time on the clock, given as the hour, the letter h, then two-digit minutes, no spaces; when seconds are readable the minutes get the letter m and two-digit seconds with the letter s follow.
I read 6h17
